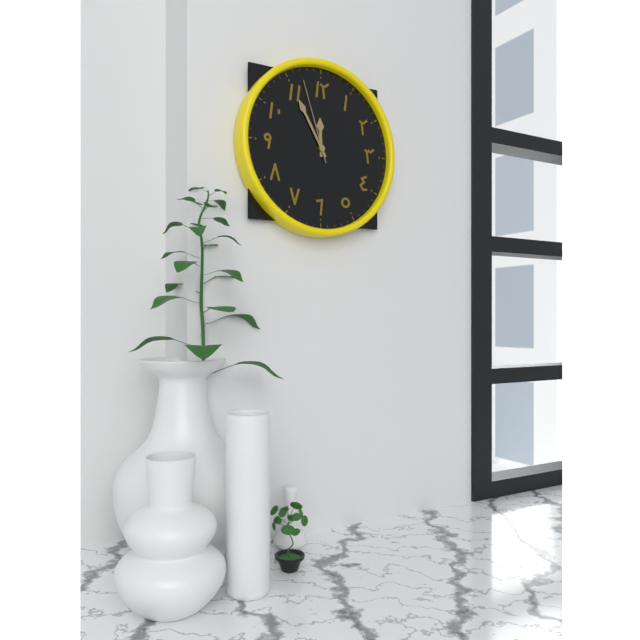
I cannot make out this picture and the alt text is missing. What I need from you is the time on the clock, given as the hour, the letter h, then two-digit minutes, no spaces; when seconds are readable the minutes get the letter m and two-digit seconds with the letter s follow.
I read 11h55m57s
